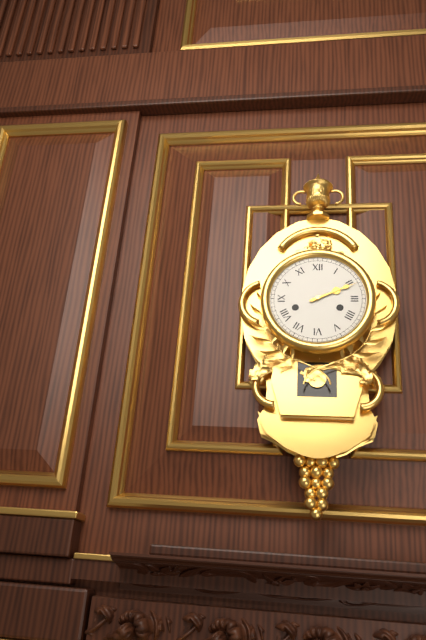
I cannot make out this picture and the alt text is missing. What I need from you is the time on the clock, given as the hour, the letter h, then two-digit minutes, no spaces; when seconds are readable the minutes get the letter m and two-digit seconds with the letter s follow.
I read 2h11
